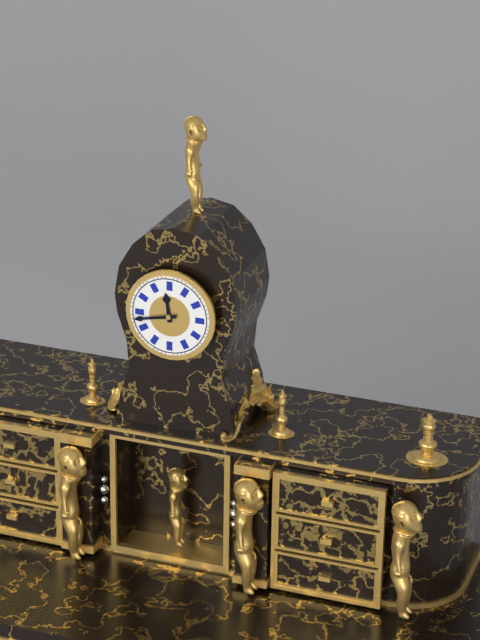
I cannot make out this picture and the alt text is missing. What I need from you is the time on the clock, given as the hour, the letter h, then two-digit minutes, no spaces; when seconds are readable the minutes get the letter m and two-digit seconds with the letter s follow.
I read 11h43
